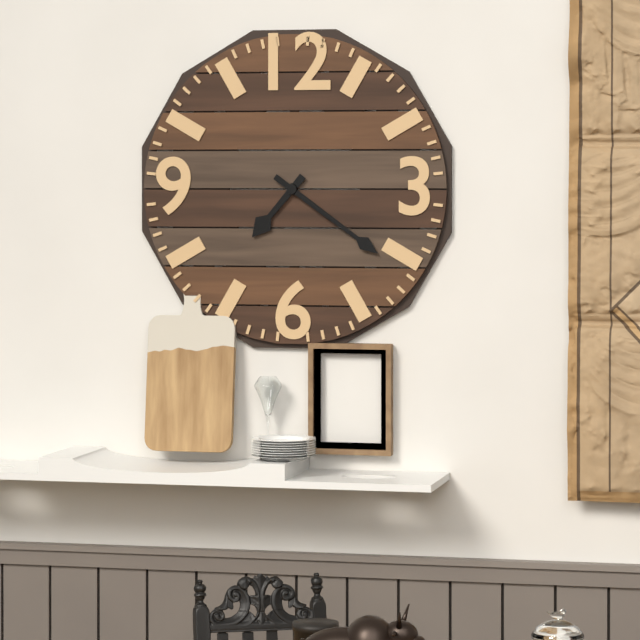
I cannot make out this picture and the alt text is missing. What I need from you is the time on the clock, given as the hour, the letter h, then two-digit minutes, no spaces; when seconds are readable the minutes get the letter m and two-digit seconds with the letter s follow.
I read 7h21
